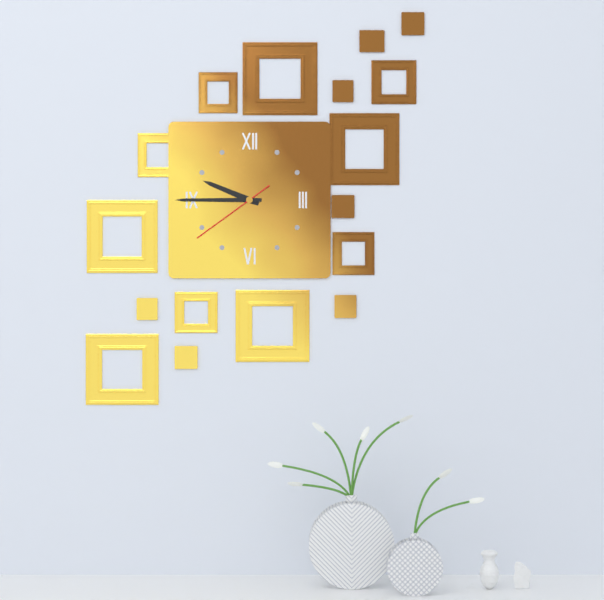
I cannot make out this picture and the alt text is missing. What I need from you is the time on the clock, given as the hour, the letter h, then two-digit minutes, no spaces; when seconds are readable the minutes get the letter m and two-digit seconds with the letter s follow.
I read 9h45m39s
